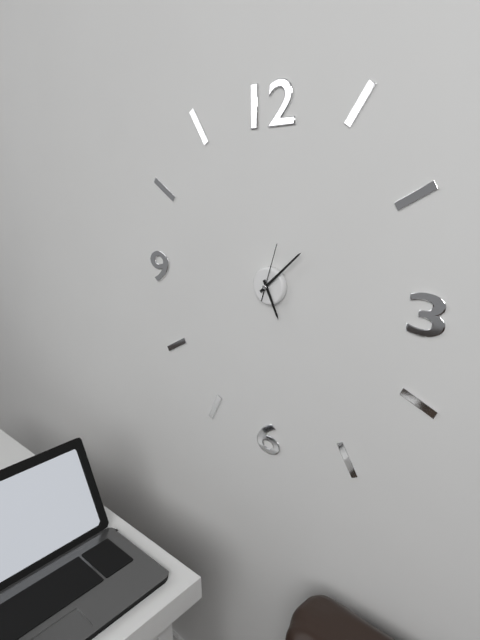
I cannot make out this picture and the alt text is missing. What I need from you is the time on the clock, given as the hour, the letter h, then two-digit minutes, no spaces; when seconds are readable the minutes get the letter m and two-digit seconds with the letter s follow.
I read 5h08m03s
